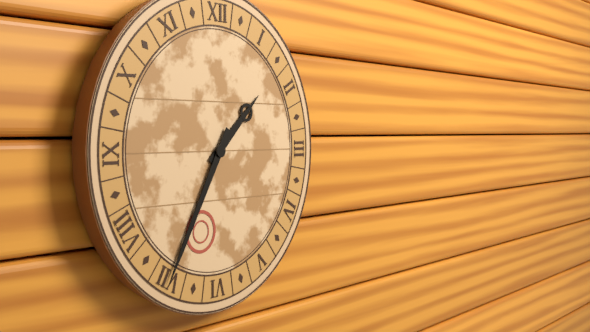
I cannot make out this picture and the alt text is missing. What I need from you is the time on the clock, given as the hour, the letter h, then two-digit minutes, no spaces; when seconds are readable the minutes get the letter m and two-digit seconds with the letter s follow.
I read 1h35
